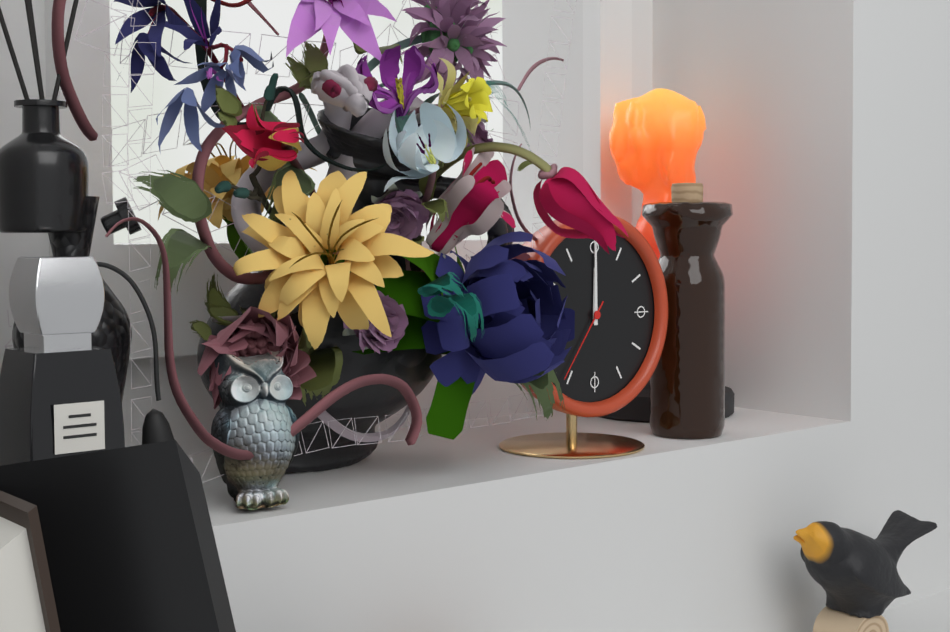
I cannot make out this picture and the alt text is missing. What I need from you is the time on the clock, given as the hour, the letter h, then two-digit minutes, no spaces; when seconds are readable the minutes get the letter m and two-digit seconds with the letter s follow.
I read 12h00m36s
